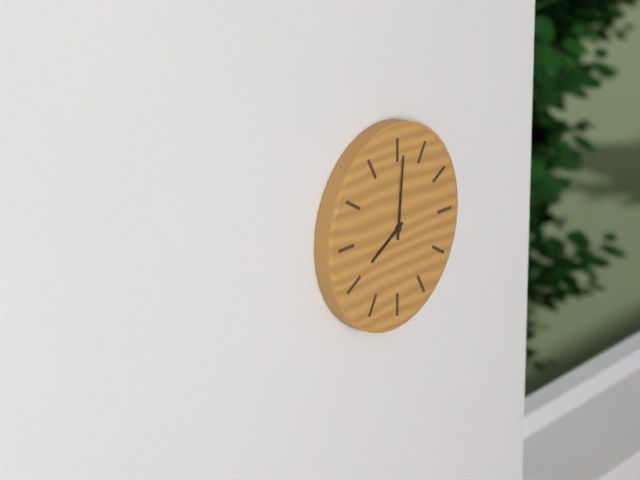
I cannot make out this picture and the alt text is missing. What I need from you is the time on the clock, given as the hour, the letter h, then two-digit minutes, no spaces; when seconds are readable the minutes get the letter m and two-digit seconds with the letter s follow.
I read 8h01
